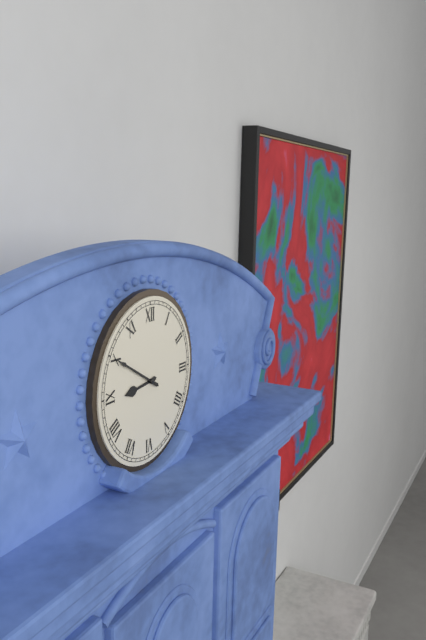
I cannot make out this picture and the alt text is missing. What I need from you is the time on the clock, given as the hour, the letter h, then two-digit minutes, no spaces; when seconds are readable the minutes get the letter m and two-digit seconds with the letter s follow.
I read 8h50
